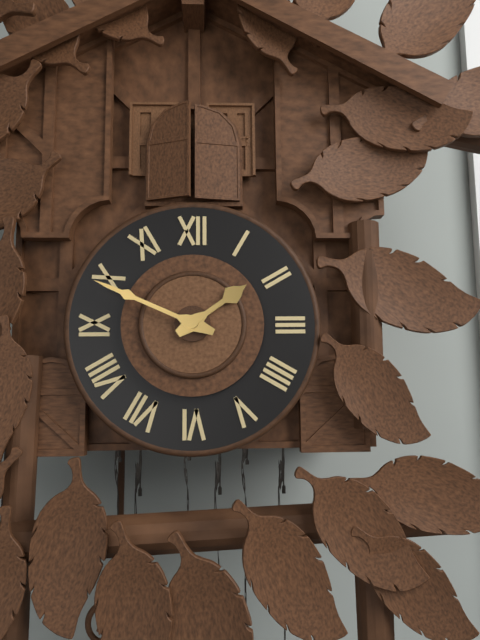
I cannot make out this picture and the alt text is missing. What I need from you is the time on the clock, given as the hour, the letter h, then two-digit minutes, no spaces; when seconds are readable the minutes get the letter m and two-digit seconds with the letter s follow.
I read 1h49
